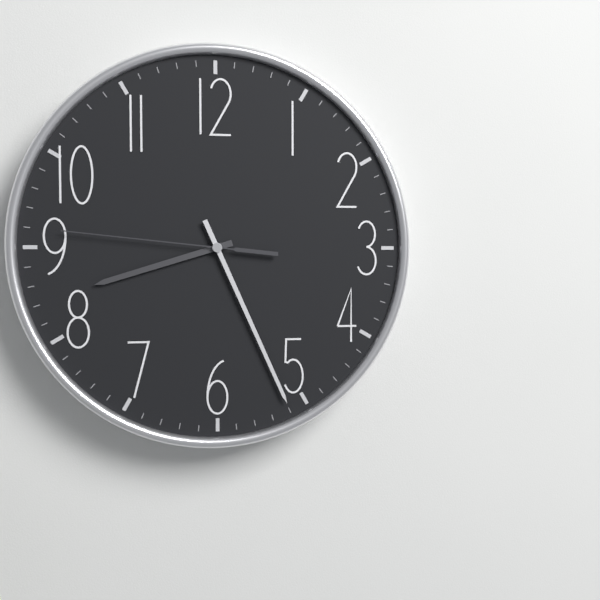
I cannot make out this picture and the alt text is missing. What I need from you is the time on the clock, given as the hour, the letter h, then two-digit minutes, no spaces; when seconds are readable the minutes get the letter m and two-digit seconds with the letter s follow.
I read 8h26m46s
